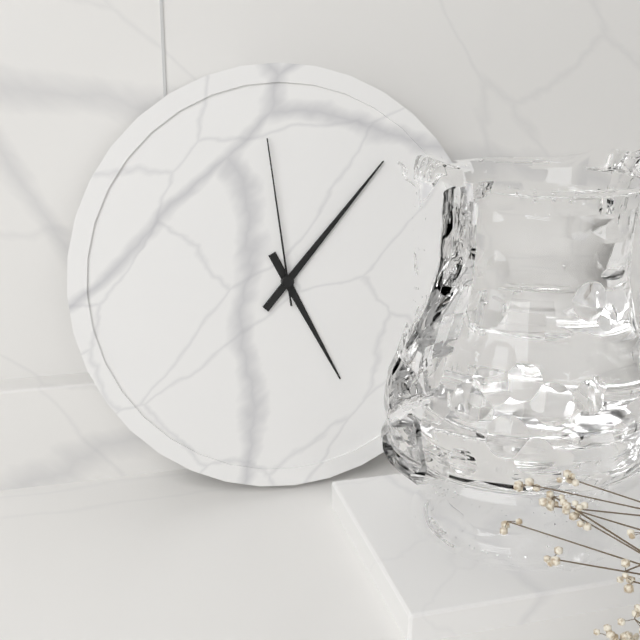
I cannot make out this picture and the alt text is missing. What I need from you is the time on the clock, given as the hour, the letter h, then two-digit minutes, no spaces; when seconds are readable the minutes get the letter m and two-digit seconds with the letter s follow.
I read 5h07m59s
